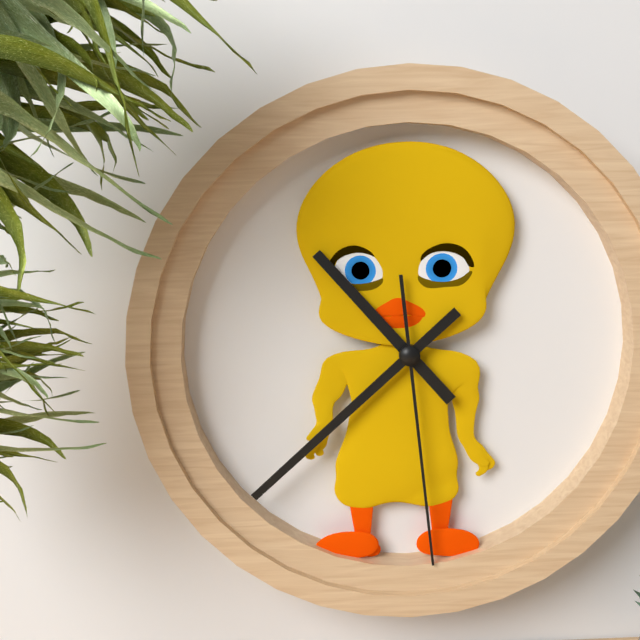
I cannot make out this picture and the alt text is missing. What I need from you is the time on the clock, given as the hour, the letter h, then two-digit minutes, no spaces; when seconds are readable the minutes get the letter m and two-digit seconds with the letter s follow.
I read 10h38m29s
